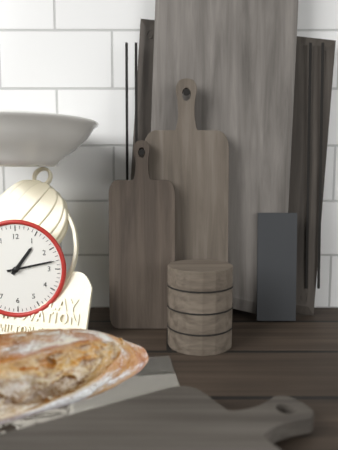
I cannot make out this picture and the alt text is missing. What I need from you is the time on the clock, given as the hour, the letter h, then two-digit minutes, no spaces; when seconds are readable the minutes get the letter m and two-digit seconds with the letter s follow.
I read 1h13
